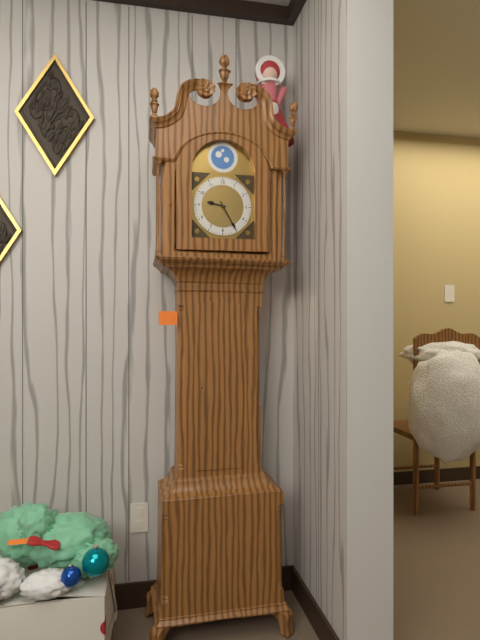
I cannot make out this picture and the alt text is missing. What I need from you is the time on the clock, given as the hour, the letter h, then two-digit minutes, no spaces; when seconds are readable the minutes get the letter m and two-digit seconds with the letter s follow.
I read 9h25
